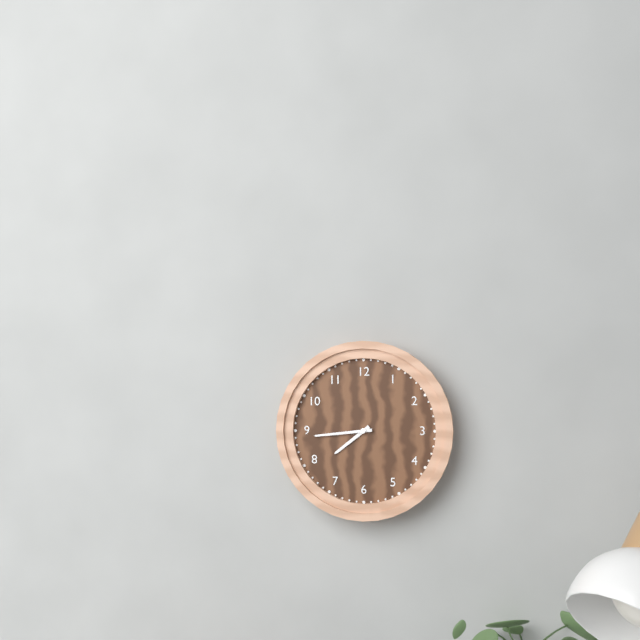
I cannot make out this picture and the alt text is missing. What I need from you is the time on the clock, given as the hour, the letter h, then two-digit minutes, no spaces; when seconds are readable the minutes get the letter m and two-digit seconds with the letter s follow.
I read 7h44
